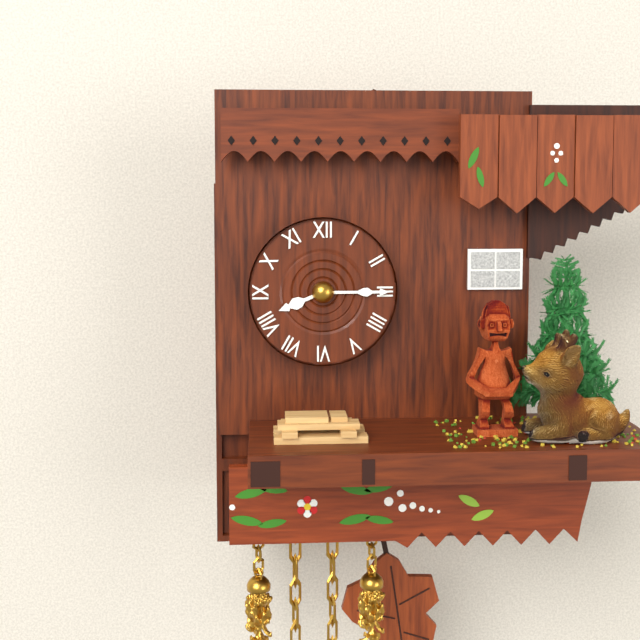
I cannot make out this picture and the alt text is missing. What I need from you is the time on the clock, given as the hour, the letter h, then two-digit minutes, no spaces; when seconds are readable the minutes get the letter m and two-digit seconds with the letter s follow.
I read 8h15
